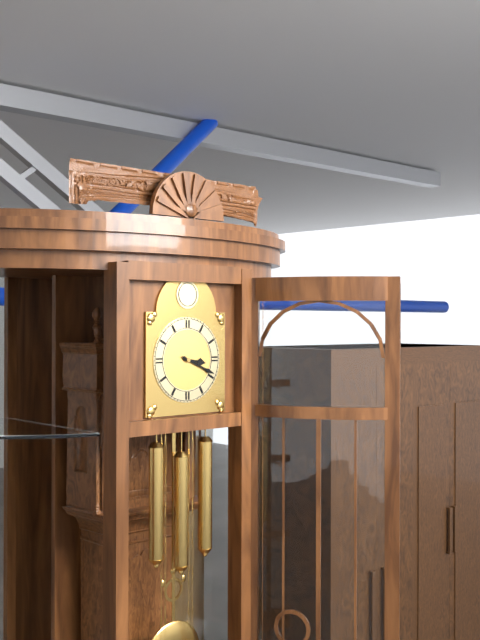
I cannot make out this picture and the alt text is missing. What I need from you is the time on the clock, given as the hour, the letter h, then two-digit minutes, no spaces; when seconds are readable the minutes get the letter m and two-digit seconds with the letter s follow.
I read 3h19
